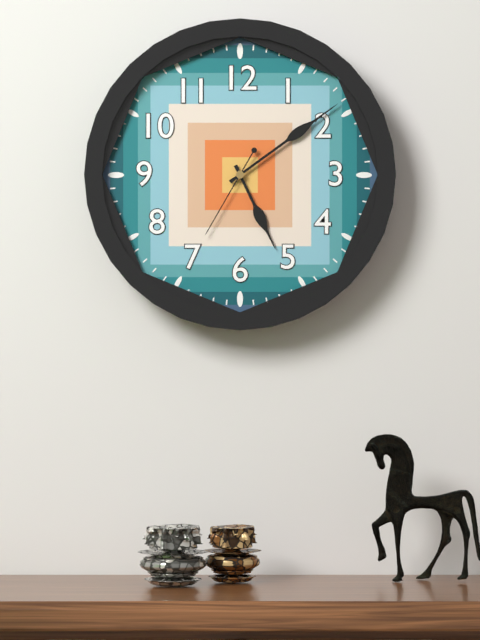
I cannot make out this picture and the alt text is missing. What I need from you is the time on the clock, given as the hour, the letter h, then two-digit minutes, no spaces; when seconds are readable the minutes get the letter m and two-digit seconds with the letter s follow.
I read 5h09m35s
